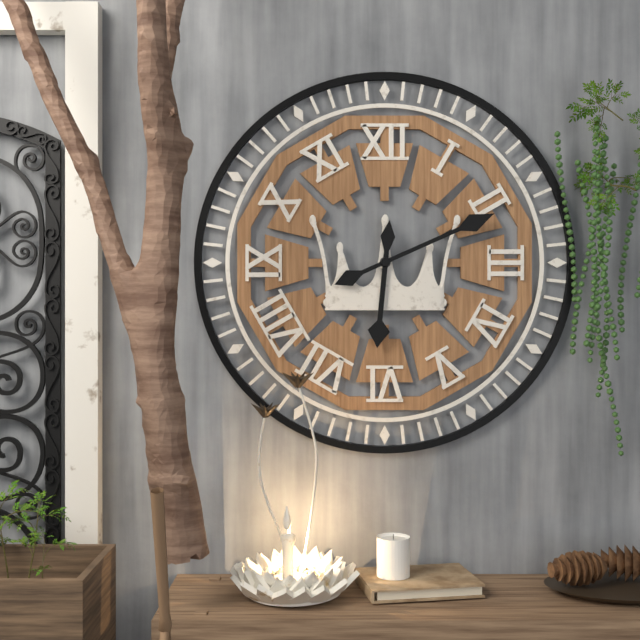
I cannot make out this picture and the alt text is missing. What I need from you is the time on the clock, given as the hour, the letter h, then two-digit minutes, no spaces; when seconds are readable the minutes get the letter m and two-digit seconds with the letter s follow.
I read 6h11
